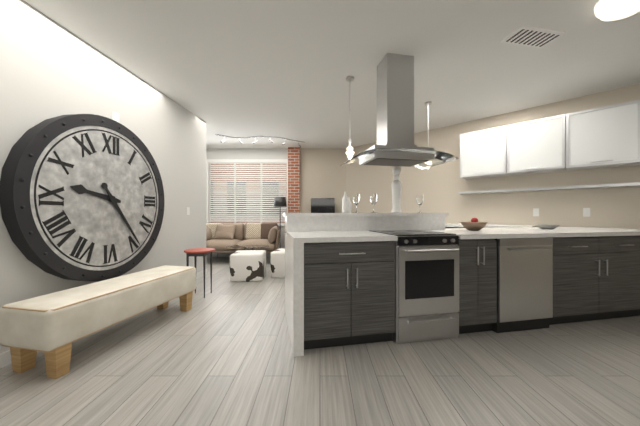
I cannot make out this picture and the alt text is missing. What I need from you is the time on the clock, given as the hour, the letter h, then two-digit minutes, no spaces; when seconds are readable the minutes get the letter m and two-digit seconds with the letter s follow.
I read 9h24
